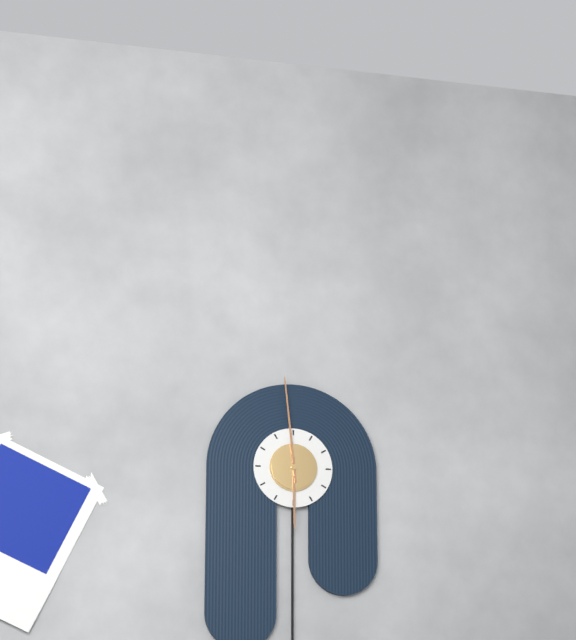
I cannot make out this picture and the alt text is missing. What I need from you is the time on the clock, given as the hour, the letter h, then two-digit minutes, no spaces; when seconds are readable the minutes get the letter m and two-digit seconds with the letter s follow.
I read 5h59
